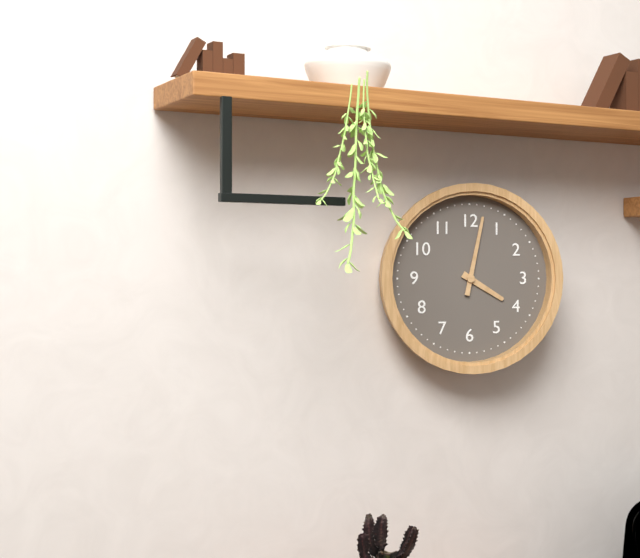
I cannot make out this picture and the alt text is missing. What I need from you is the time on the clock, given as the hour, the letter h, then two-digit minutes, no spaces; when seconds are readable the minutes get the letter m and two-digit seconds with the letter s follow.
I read 4h02
